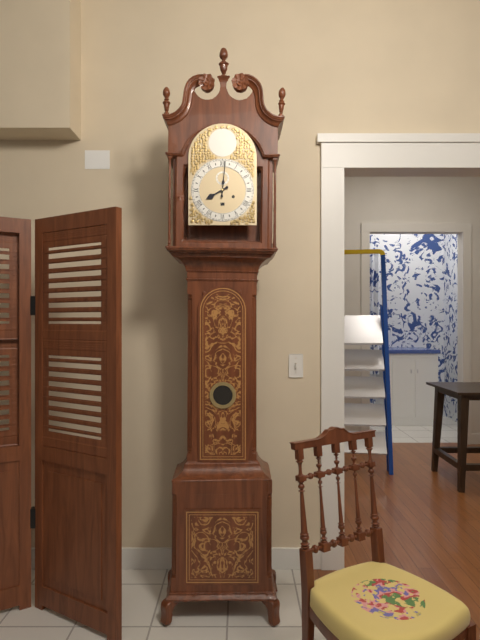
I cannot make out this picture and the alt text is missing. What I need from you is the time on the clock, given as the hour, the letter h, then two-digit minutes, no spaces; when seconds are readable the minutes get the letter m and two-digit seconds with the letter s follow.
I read 8h01
